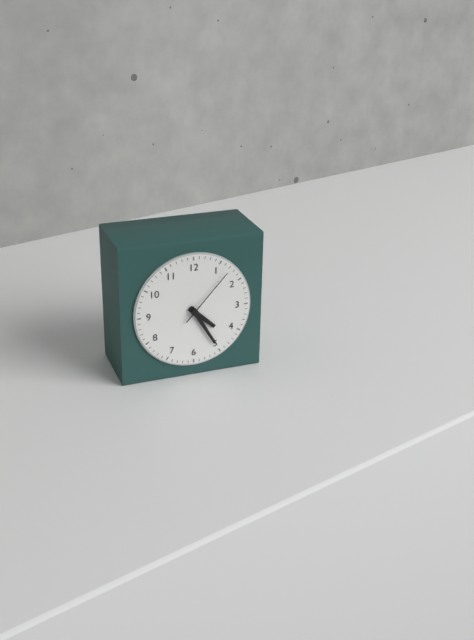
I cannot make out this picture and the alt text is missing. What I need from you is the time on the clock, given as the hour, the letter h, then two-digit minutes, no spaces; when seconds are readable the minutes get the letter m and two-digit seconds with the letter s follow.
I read 4h25m07s
